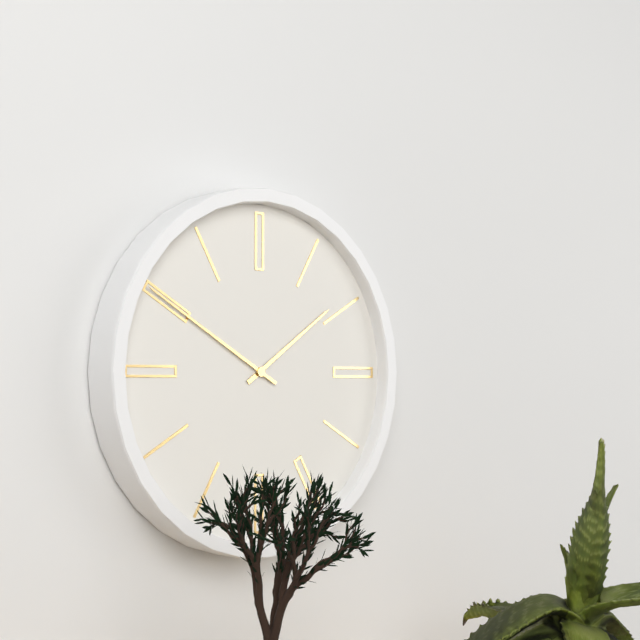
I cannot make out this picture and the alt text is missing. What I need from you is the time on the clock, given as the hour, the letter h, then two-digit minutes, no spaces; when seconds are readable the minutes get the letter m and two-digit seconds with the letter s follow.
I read 1h50
